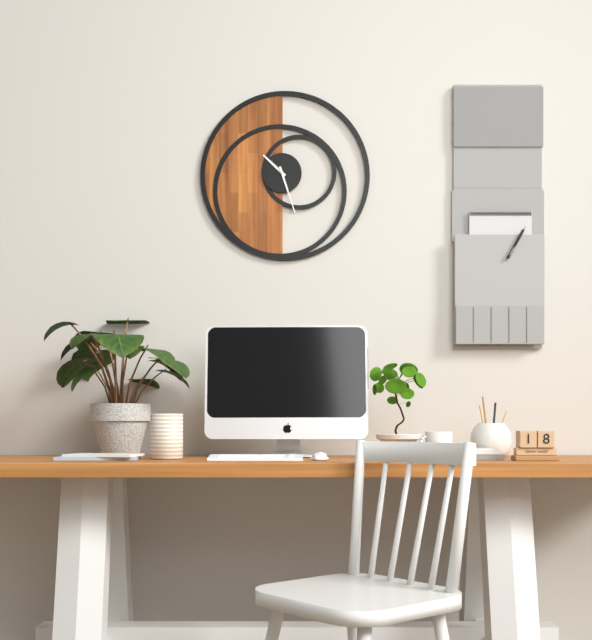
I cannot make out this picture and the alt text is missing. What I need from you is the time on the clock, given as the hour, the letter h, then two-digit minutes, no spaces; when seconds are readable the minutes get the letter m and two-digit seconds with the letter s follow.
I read 10h27
